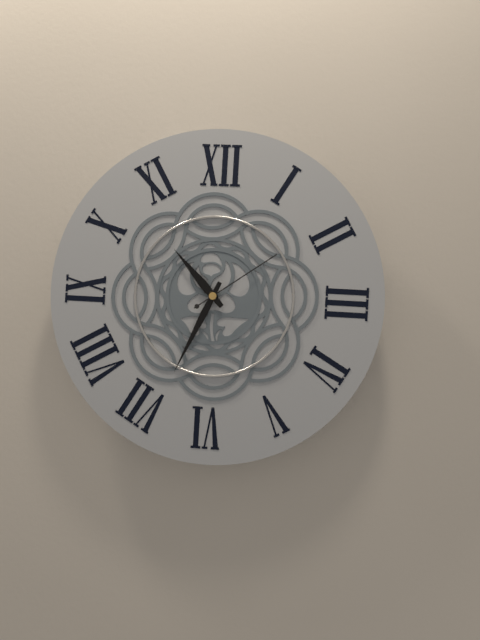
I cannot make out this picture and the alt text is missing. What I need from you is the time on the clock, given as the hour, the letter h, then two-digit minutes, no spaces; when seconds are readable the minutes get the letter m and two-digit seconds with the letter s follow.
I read 10h34m09s
